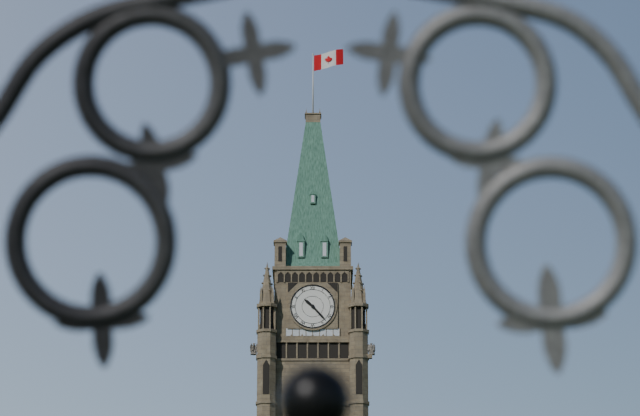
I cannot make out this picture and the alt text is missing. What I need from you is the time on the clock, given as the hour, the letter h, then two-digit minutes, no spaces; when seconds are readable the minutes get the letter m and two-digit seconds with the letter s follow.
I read 10h23
